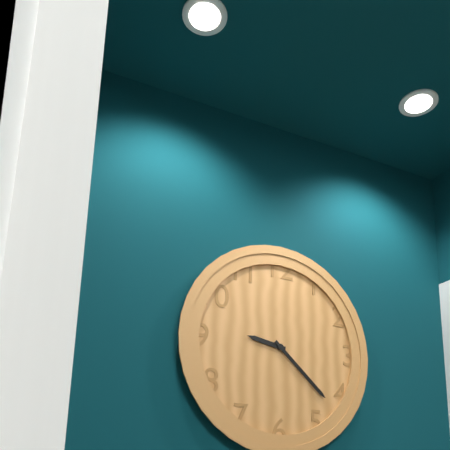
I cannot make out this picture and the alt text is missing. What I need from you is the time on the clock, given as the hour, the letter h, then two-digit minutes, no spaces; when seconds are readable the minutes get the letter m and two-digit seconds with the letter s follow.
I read 9h22
